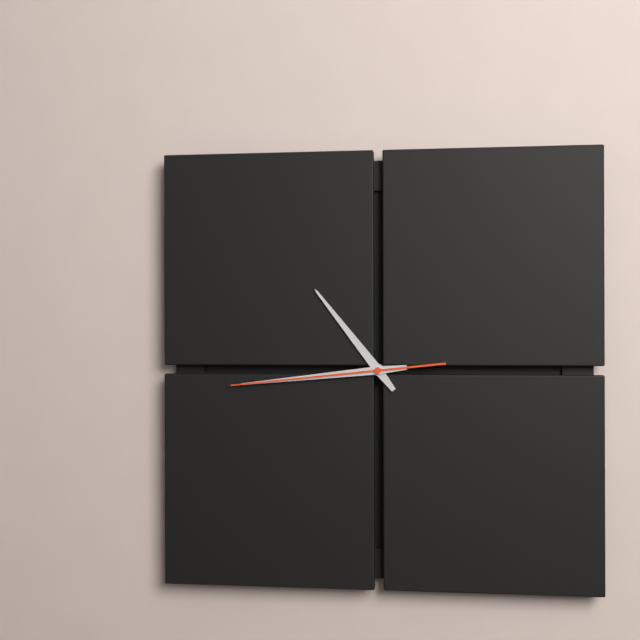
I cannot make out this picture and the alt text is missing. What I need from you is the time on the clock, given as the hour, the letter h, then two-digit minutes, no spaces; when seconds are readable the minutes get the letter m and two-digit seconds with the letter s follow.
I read 10h44m44s
